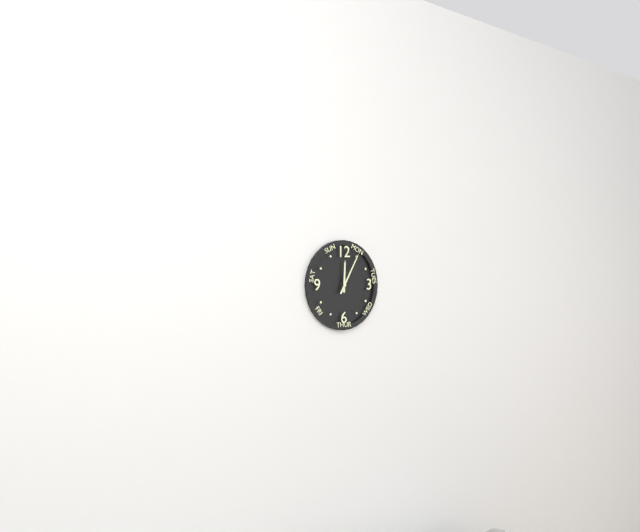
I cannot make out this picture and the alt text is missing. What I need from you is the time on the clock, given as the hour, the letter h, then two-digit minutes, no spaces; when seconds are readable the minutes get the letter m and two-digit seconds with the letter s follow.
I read 12h05
